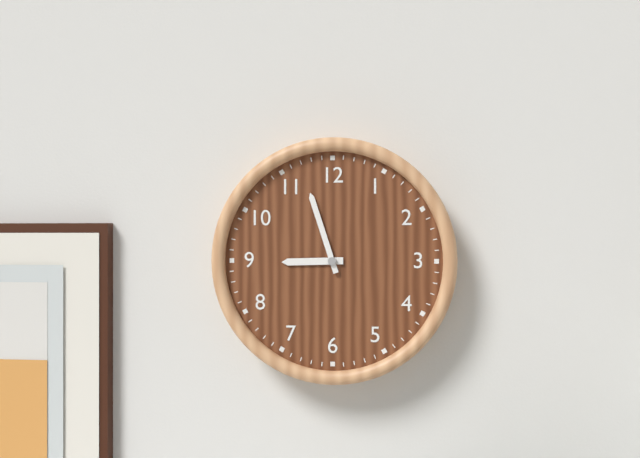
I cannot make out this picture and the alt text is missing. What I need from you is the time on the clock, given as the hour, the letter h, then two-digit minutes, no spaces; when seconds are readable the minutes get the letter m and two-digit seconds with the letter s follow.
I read 8h57
